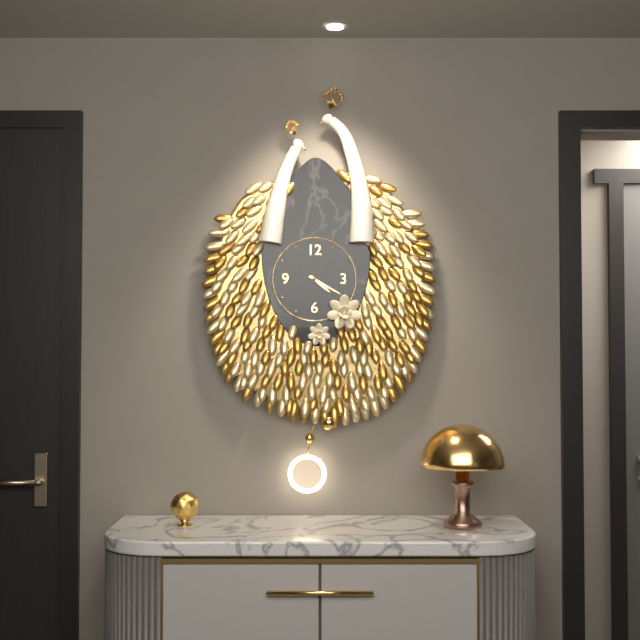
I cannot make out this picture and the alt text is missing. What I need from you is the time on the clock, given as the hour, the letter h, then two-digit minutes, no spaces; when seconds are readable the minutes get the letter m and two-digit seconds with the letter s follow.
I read 4h20
